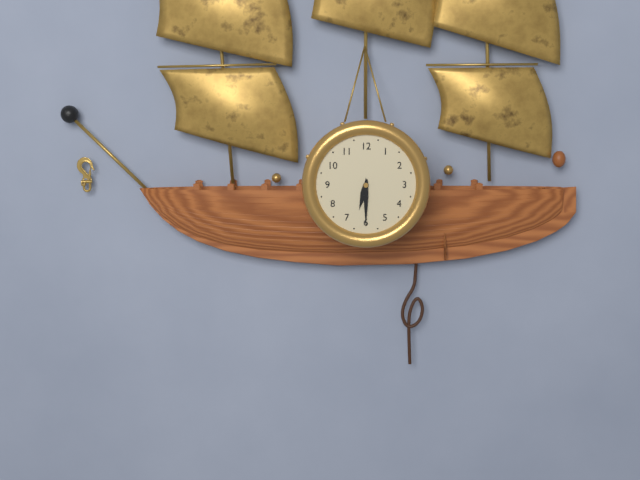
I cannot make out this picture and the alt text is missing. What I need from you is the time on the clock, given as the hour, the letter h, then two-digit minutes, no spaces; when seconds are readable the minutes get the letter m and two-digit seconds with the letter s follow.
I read 6h30
